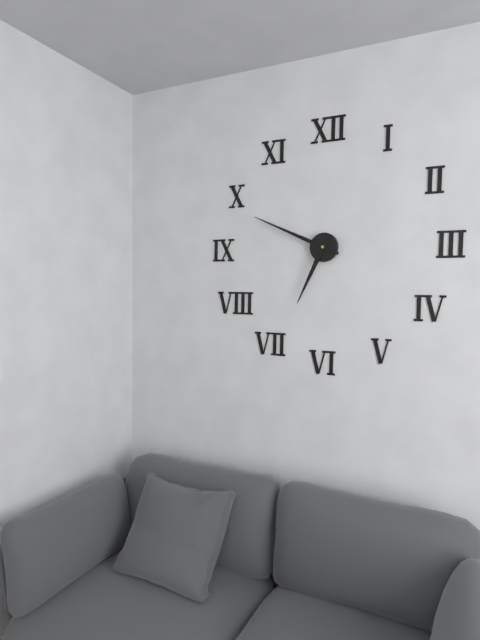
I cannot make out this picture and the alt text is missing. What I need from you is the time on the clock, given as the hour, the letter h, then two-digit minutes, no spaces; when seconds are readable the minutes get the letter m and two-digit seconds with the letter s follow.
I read 6h49
